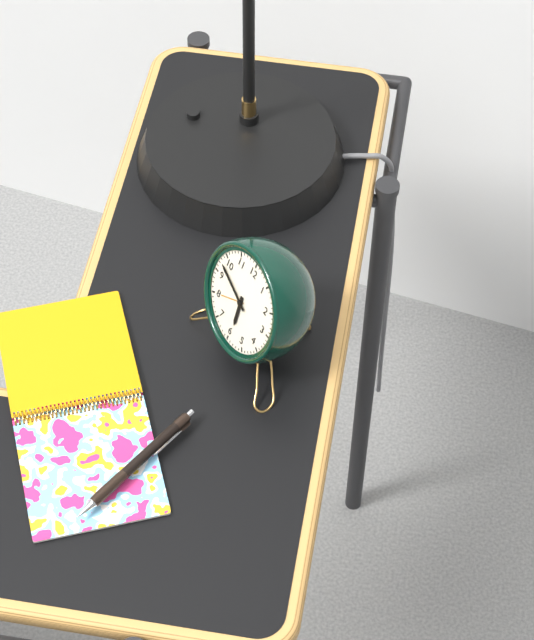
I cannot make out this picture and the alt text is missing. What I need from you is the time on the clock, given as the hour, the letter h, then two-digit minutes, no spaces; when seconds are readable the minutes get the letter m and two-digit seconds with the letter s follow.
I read 5h48
